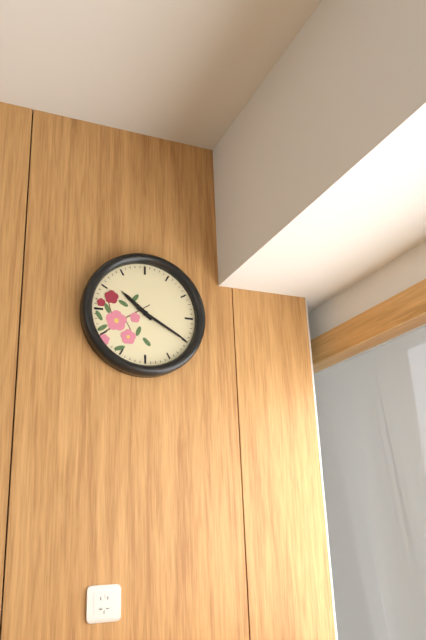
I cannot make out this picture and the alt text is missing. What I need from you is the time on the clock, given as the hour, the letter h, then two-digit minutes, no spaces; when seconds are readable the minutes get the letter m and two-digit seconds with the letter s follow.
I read 10h20
